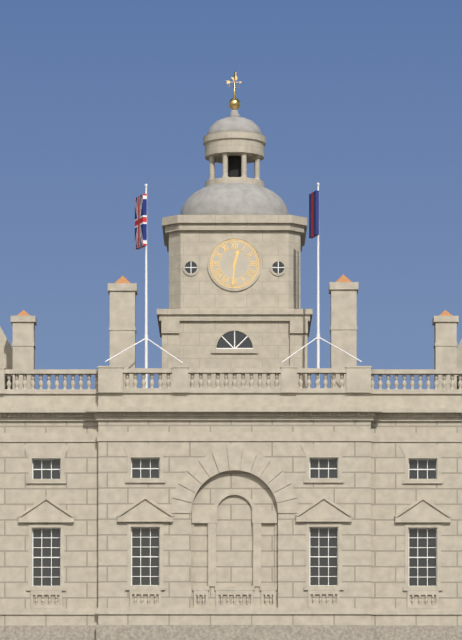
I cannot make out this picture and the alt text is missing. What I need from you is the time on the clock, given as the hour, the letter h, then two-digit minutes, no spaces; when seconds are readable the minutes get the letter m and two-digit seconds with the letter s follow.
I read 12h31
